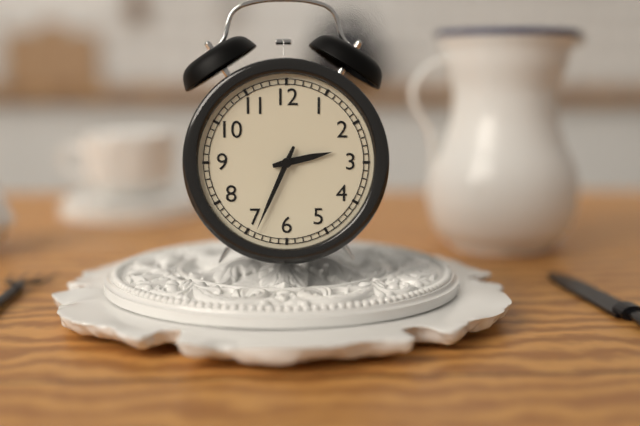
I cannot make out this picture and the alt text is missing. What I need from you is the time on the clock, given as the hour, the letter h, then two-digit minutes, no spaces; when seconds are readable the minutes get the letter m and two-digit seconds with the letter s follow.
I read 2h34
